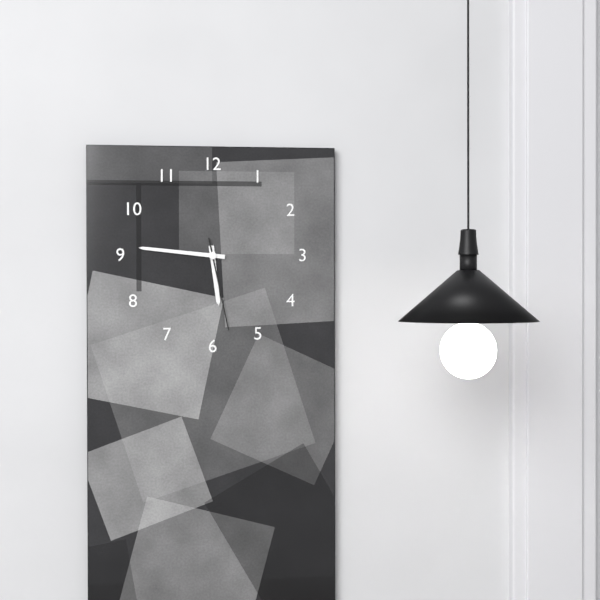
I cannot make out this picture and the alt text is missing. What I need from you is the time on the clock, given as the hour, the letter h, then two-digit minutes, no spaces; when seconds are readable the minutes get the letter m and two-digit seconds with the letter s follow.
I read 5h46m28s
